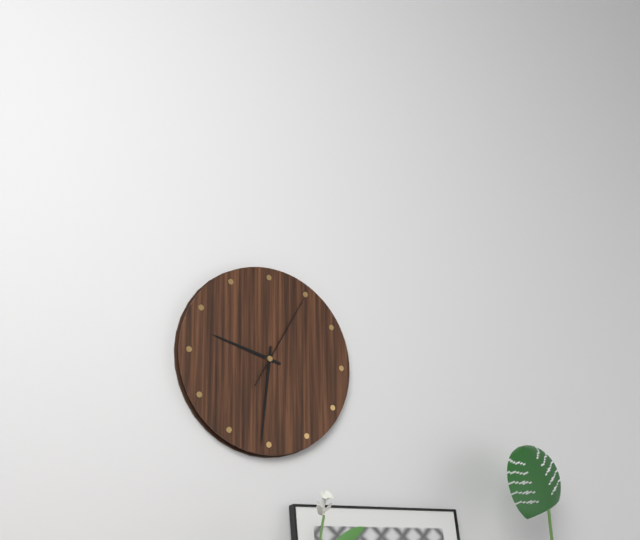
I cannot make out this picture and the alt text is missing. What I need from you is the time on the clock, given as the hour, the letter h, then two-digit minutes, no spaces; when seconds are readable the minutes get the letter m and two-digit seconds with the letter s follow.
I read 9h31m05s
